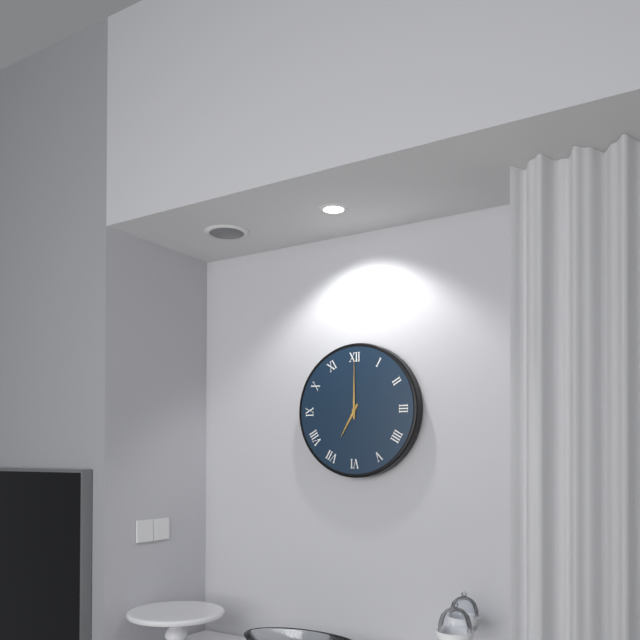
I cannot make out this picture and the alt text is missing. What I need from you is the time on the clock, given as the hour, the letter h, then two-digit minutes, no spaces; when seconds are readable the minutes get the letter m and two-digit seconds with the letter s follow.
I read 7h00
